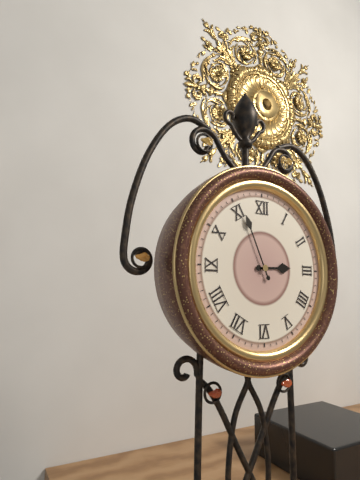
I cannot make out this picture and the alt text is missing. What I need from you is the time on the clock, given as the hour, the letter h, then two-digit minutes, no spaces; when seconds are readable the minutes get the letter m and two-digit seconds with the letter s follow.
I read 2h56
